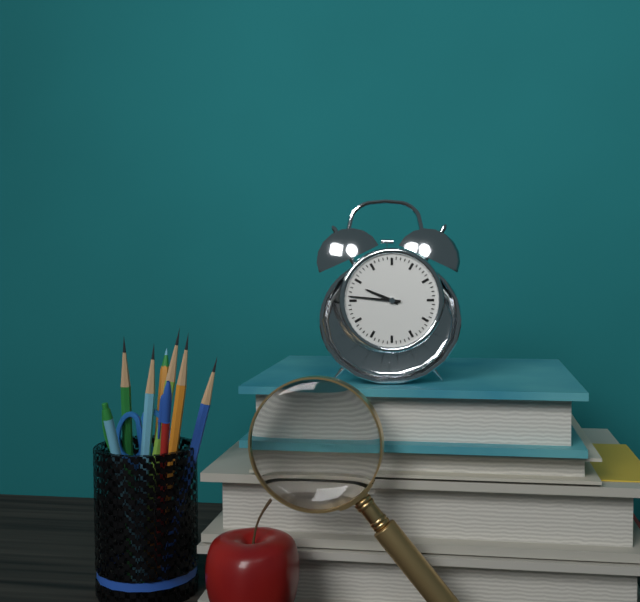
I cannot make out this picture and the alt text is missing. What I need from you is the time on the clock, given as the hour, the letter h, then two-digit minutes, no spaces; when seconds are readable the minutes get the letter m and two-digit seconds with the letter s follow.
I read 9h46
